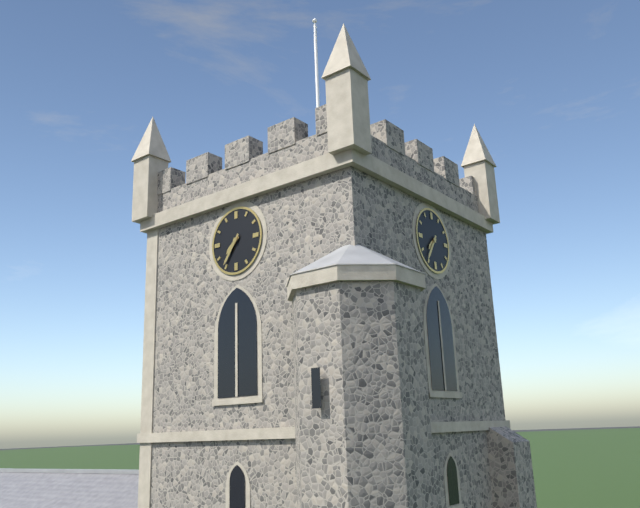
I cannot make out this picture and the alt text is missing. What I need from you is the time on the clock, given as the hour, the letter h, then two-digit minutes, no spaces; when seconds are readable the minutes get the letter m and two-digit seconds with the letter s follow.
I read 7h36
